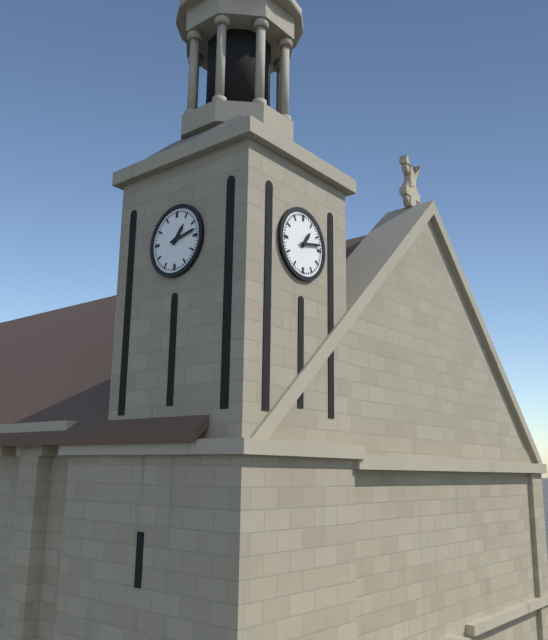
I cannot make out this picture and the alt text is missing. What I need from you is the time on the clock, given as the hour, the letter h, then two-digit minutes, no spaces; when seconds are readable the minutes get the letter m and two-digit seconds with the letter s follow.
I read 1h13
